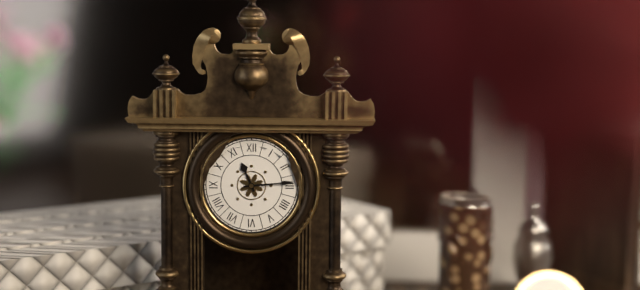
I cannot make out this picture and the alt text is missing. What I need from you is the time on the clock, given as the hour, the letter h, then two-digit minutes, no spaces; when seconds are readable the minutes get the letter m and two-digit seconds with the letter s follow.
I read 11h14
